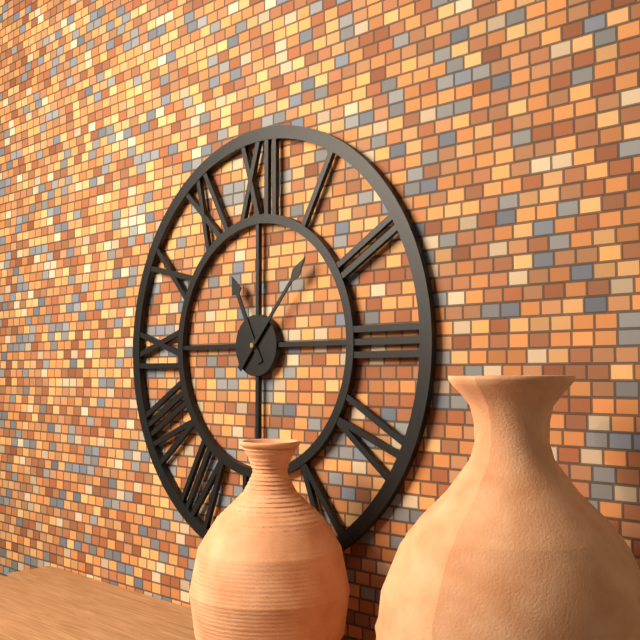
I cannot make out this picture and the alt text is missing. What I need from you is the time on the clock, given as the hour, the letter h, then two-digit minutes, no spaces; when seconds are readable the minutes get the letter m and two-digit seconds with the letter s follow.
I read 11h07
